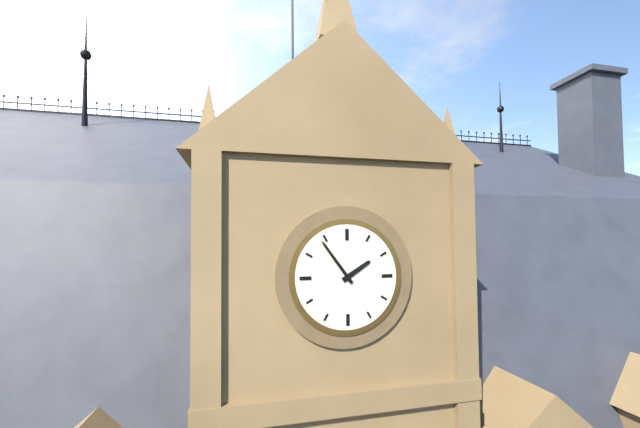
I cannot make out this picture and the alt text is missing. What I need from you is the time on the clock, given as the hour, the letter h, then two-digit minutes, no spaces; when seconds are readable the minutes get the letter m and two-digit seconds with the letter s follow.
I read 1h54
